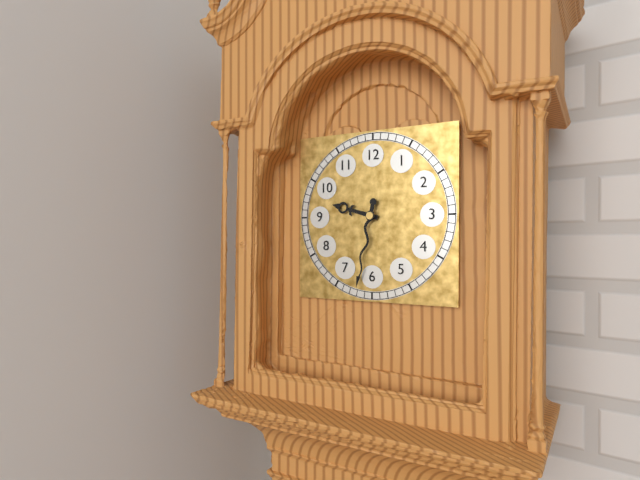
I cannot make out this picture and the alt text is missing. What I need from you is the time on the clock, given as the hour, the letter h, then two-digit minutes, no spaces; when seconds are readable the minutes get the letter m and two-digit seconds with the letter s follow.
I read 9h32
